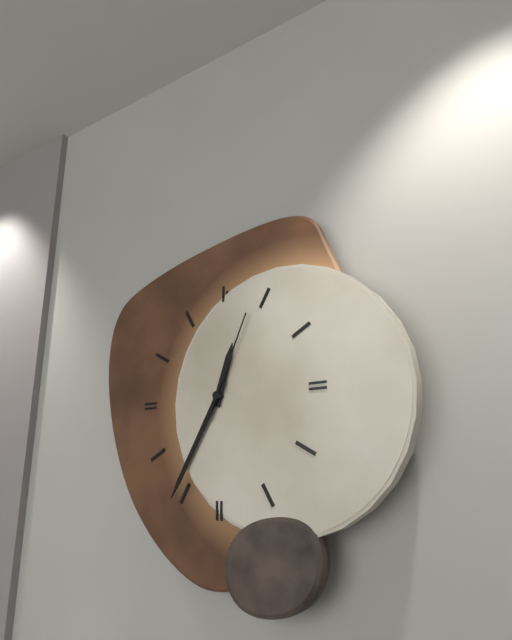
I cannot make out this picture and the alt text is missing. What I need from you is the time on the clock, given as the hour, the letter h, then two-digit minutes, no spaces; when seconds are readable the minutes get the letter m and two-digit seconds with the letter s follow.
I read 12h35m04s
